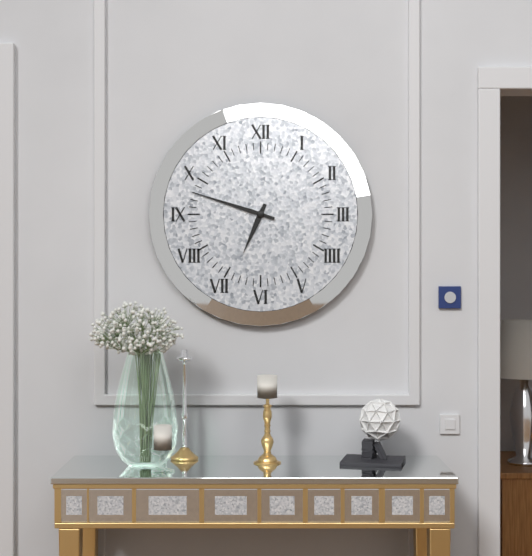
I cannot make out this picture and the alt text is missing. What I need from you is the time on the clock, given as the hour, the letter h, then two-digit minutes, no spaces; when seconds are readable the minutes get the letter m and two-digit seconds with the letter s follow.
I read 6h48
